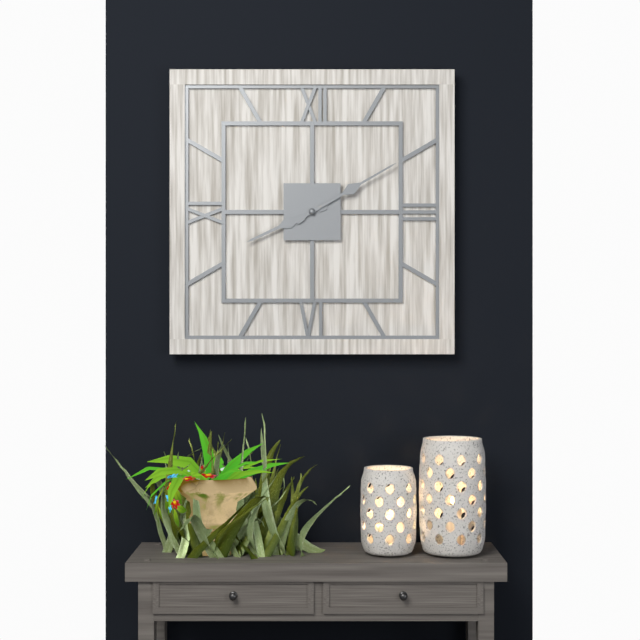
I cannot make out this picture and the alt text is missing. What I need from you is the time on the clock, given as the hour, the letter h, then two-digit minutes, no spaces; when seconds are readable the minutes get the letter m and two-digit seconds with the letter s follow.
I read 8h10
